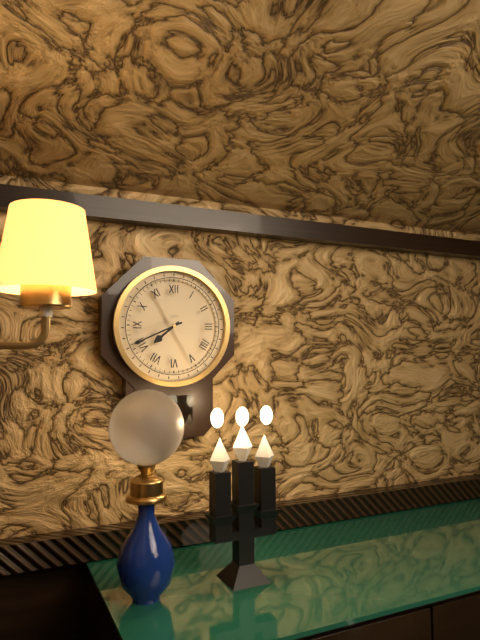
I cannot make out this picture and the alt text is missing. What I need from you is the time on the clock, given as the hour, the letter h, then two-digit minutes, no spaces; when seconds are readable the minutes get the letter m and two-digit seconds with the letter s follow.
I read 7h41
